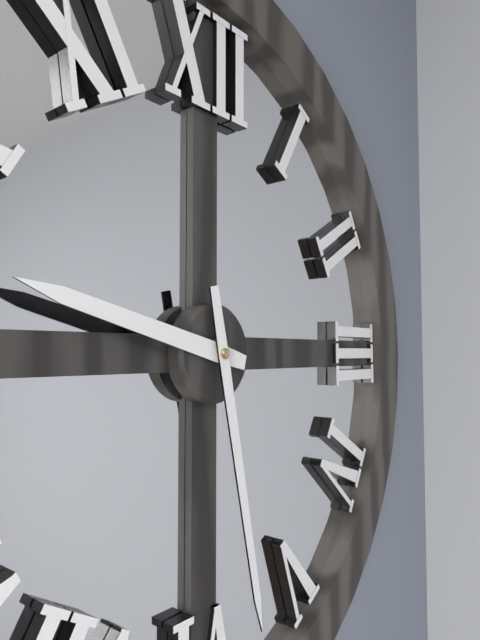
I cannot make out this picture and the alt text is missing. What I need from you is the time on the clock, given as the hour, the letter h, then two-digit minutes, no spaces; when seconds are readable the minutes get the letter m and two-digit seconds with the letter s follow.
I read 9h28
